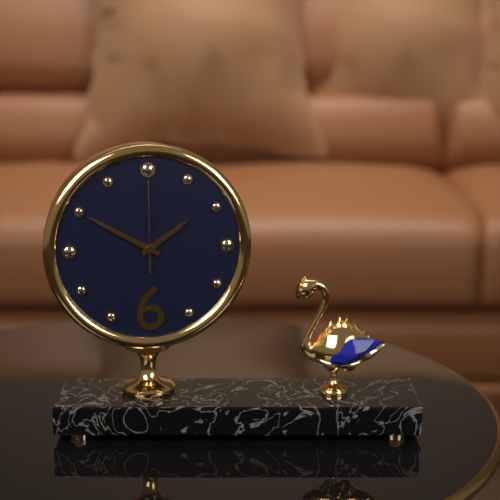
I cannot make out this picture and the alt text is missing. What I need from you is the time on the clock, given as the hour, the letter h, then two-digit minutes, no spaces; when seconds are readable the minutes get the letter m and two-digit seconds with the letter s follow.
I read 1h50m00s
